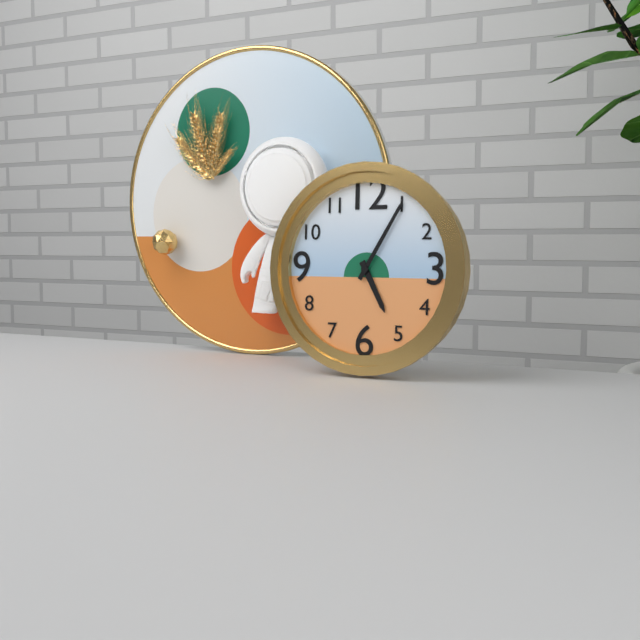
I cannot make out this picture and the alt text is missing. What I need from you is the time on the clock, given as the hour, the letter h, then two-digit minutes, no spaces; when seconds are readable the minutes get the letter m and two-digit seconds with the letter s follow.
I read 5h05
